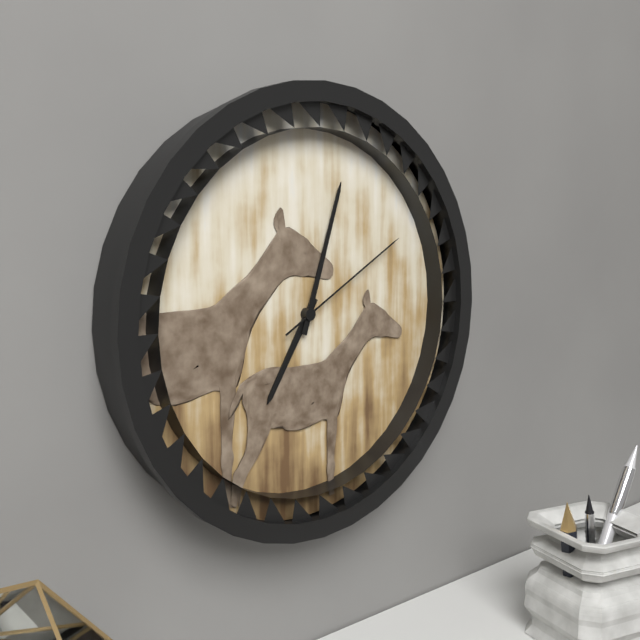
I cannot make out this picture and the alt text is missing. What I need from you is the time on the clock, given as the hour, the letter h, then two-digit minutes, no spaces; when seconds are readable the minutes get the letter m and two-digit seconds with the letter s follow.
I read 7h03m10s
